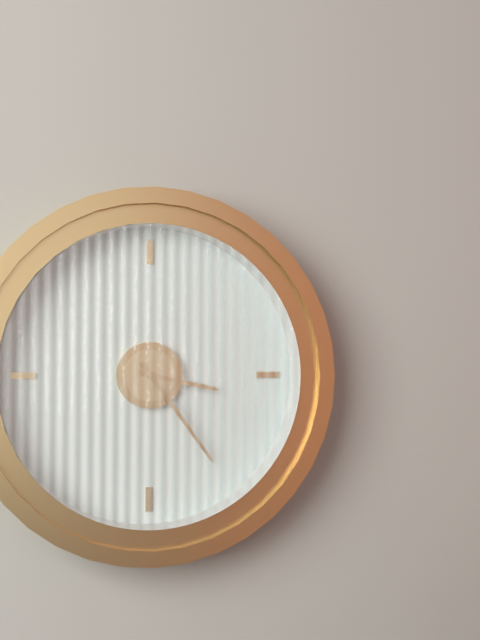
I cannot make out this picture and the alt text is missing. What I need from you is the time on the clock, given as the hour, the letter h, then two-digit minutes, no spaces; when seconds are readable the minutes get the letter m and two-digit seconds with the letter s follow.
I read 3h24
